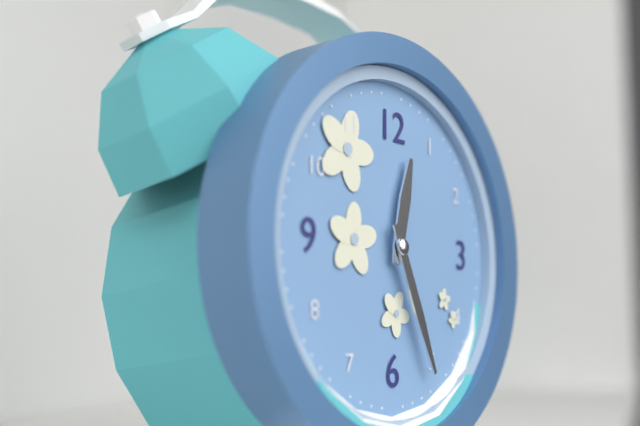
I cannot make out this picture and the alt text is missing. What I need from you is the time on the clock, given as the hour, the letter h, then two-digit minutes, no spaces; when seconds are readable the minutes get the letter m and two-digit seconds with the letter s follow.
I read 12h26
